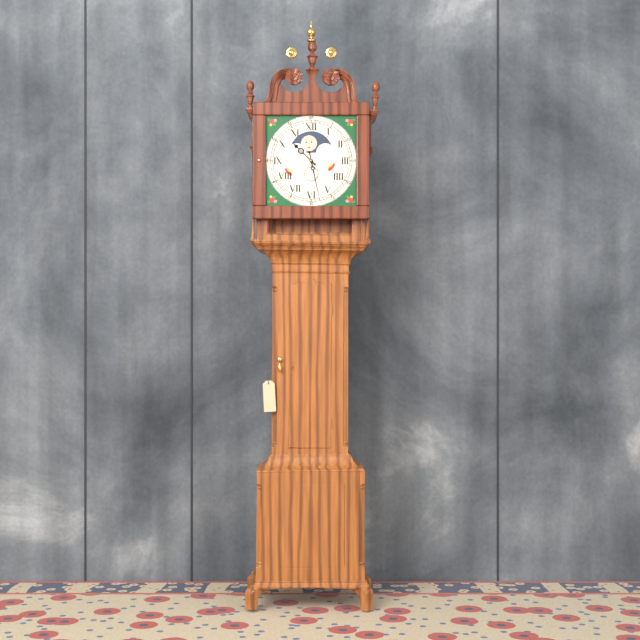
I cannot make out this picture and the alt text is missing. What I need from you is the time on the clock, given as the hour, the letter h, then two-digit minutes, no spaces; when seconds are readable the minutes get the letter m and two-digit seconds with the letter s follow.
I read 10h28
